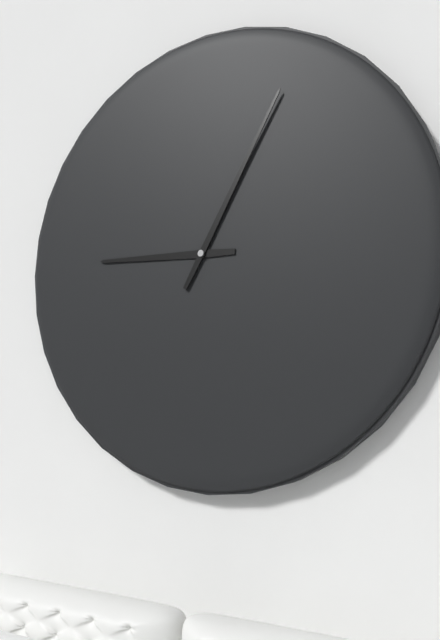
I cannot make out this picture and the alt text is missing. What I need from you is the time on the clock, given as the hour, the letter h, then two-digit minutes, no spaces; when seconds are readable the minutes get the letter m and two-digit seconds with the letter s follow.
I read 9h05
